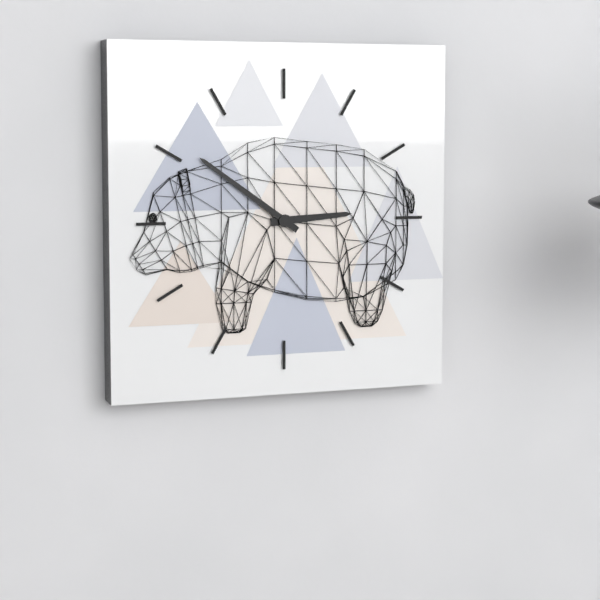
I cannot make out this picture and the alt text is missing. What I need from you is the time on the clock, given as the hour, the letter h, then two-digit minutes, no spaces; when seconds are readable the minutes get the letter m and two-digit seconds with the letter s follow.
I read 2h51
